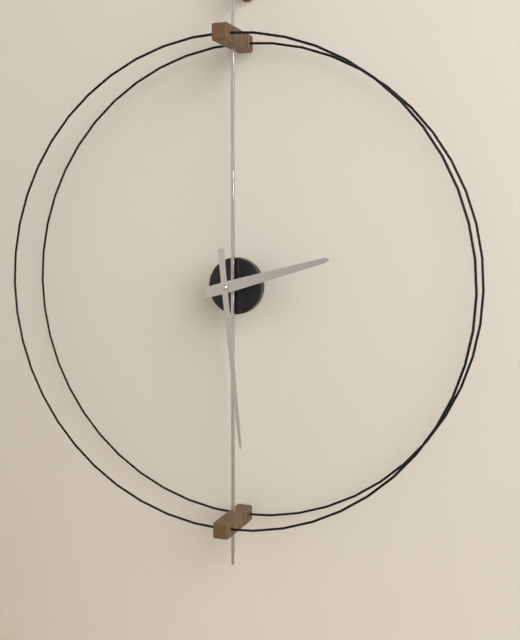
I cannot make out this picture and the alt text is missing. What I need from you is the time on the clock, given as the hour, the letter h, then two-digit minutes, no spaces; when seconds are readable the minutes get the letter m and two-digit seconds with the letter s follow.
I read 2h29
